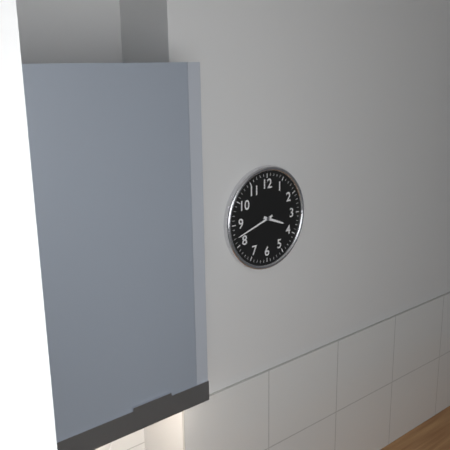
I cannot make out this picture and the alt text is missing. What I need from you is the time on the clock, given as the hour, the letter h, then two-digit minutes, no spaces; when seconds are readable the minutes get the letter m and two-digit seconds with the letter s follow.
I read 3h42
